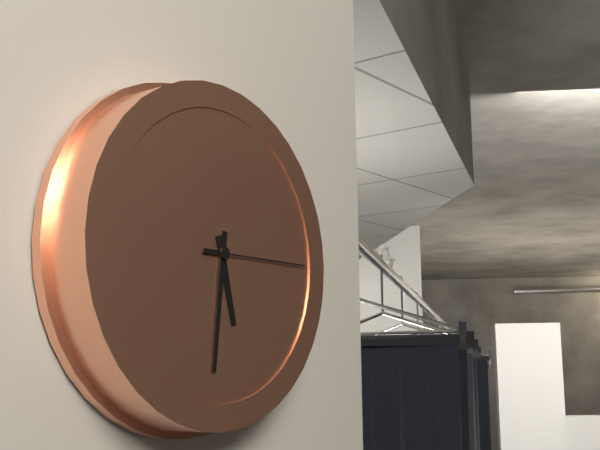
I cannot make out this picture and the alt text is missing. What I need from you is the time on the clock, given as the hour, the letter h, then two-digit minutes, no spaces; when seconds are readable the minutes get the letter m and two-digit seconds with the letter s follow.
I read 5h31m15s
